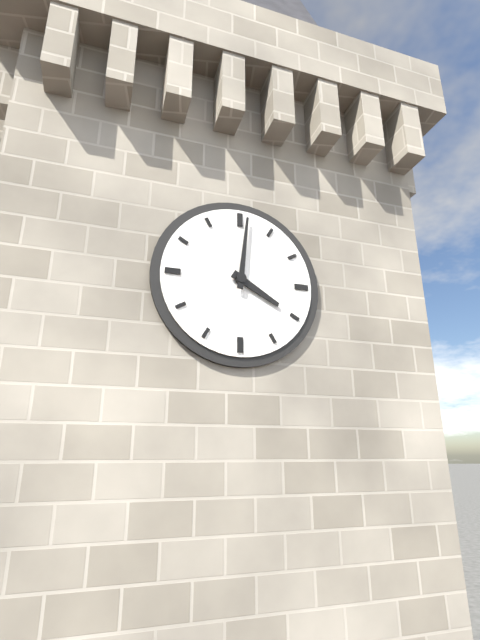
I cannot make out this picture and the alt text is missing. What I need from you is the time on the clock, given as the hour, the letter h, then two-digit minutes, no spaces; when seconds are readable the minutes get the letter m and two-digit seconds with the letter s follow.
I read 4h01
